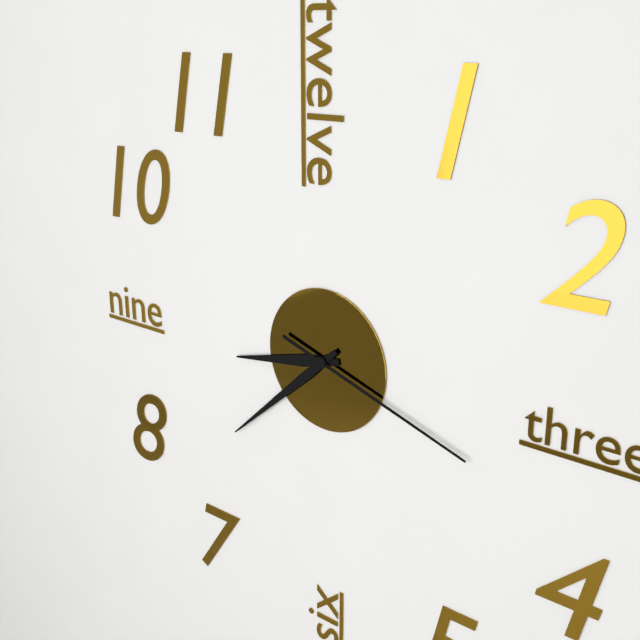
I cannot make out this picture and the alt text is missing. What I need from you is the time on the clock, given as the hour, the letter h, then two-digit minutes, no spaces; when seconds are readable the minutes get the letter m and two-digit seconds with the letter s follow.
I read 8h38m18s
